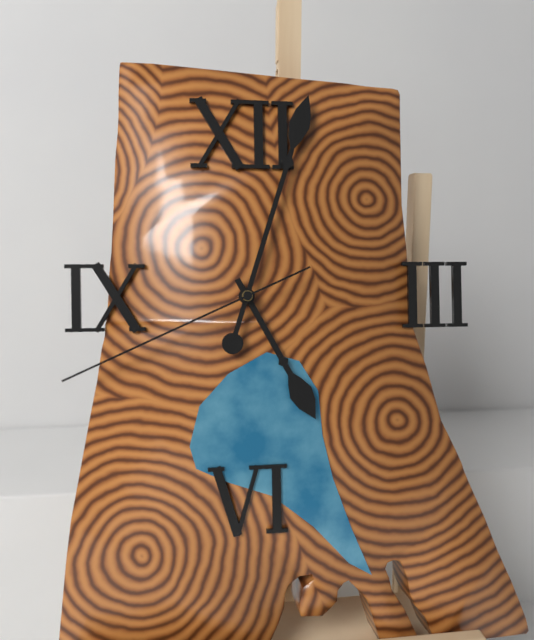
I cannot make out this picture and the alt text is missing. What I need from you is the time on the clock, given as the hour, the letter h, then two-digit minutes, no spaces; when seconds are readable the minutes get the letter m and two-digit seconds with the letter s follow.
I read 5h03m41s
